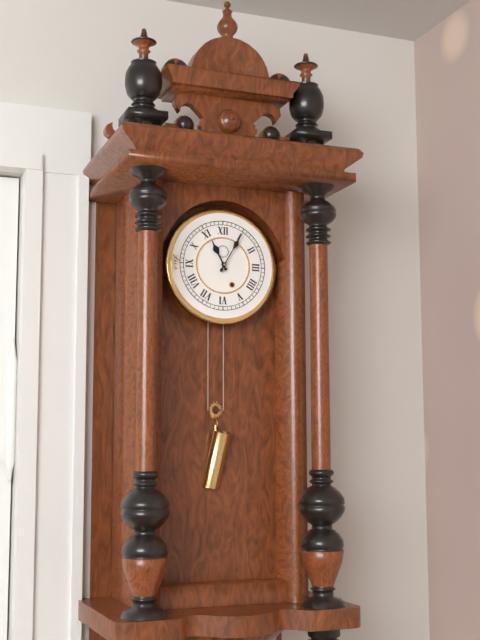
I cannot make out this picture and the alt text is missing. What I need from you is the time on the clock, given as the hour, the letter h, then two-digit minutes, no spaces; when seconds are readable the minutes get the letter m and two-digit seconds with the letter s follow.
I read 11h05
